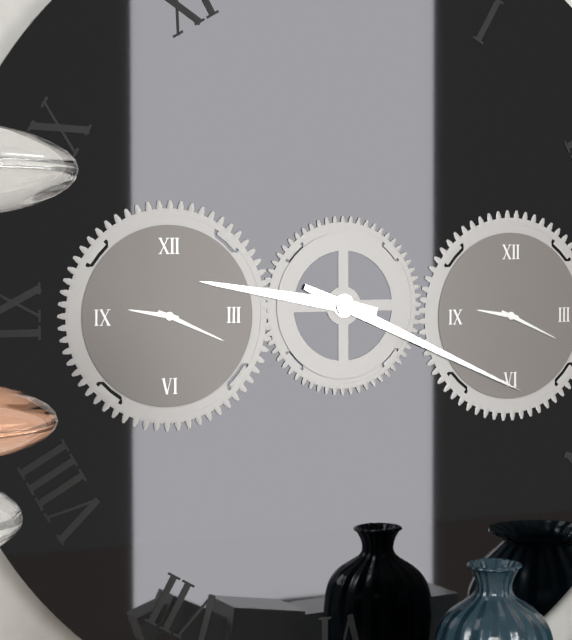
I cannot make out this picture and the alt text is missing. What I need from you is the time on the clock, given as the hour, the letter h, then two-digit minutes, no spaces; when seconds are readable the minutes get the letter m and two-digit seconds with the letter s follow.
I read 9h19
